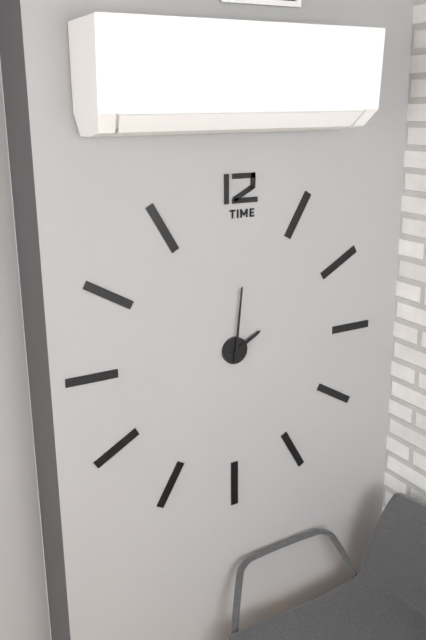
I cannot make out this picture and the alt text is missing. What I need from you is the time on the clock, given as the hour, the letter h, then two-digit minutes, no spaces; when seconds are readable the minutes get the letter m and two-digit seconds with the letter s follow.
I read 2h01
